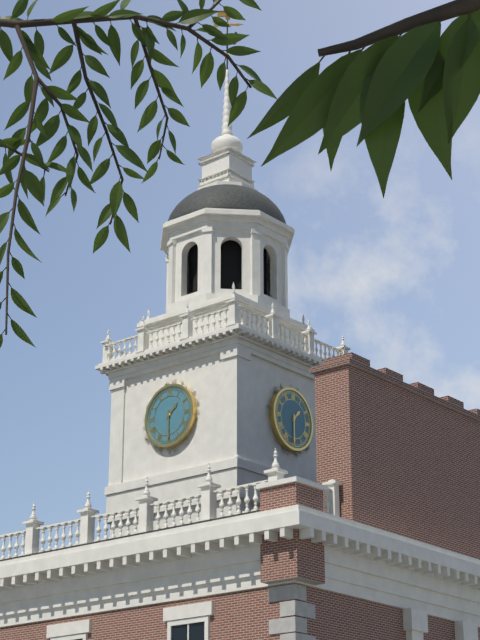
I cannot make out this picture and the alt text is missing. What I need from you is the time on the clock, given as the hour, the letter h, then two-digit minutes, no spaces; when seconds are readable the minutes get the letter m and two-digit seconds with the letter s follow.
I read 1h30
